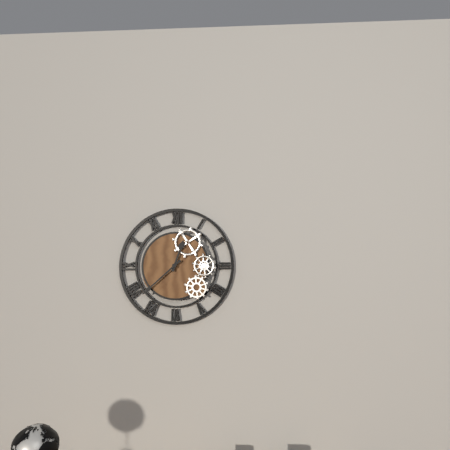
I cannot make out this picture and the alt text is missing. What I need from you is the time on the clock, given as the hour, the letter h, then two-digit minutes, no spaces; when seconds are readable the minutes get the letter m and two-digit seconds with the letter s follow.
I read 12h38
